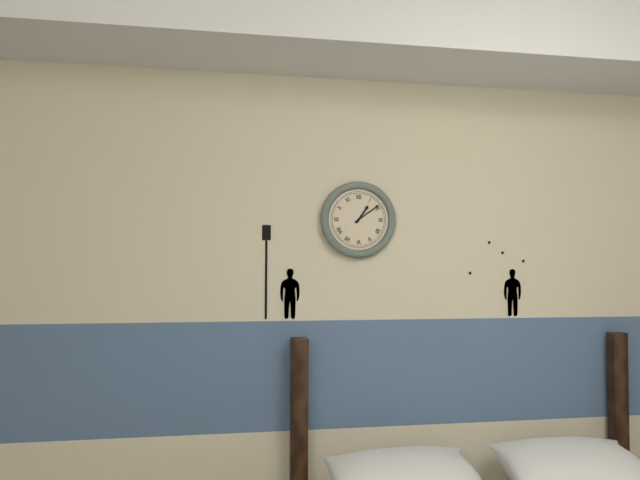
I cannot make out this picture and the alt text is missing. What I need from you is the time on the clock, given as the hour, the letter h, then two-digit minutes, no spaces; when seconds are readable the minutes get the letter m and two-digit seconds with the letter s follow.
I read 1h09
